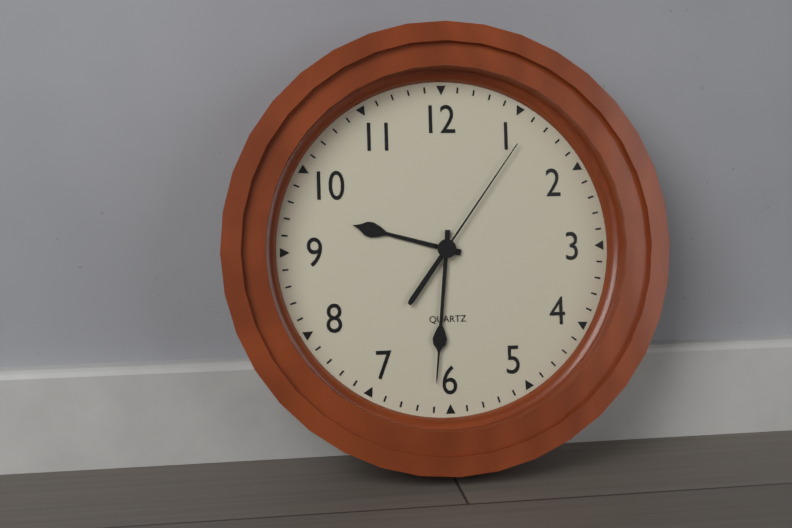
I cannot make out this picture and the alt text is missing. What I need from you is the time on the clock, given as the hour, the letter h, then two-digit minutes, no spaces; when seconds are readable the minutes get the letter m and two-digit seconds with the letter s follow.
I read 9h31m06s
